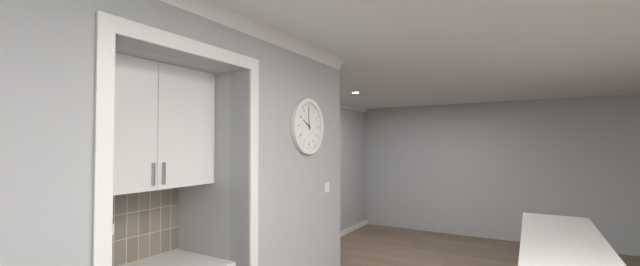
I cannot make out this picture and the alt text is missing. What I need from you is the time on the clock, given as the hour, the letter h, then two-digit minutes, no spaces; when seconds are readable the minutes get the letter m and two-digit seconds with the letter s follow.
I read 9h59
